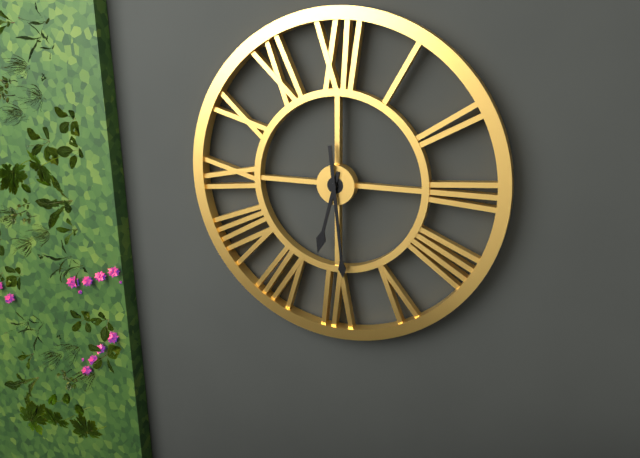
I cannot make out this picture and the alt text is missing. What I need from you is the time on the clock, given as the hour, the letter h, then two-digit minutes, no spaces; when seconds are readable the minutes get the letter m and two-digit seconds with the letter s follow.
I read 6h29
